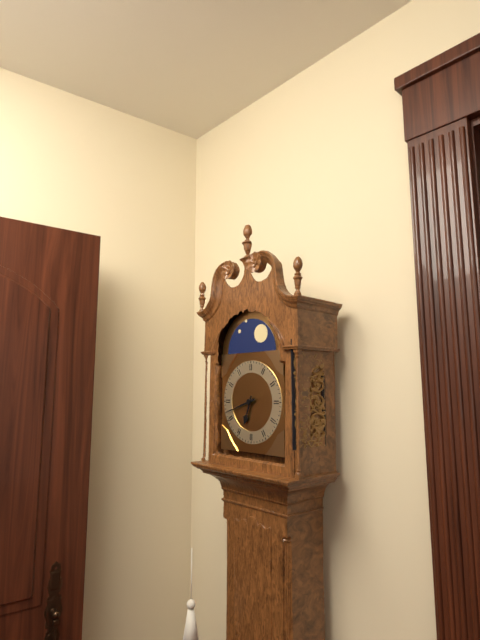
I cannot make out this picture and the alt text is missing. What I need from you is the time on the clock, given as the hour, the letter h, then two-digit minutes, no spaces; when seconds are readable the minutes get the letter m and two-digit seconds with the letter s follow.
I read 6h42
